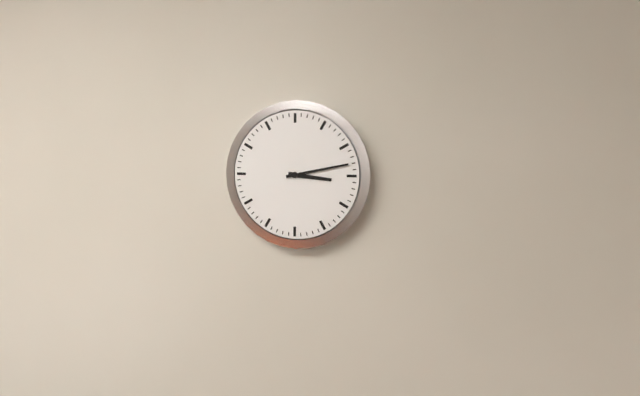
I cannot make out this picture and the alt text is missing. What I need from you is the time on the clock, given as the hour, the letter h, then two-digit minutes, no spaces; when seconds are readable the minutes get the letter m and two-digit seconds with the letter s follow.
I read 3h13
